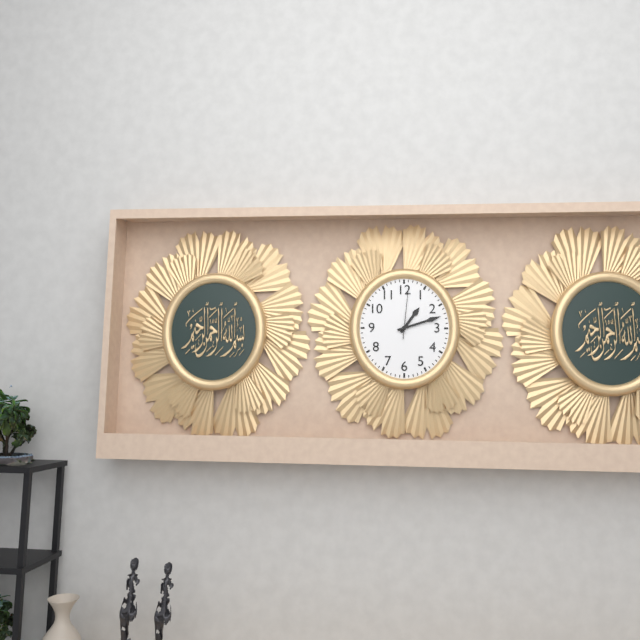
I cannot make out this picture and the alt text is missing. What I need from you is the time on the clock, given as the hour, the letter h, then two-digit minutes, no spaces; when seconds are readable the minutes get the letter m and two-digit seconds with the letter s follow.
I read 1h12m01s
